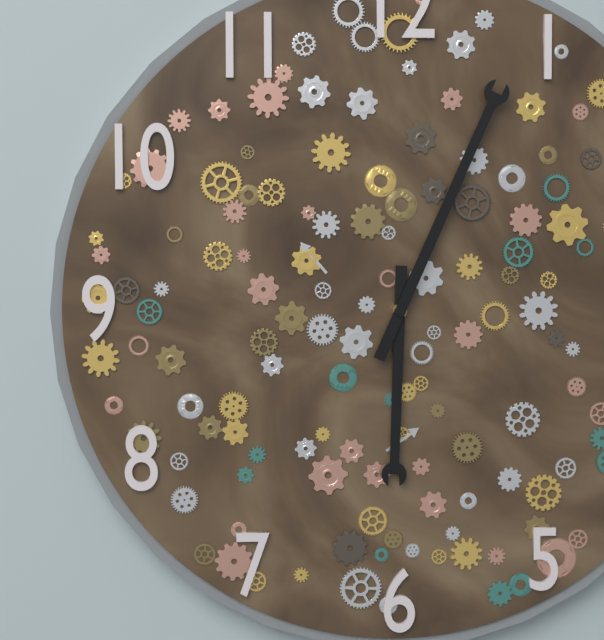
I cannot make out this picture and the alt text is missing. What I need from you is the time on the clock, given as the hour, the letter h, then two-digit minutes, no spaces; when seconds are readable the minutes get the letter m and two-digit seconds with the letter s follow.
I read 6h04
